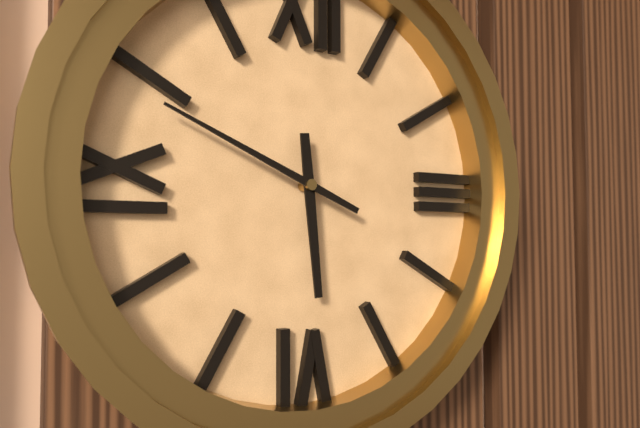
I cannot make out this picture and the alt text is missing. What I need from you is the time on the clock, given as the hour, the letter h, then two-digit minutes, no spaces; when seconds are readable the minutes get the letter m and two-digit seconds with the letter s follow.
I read 5h49
